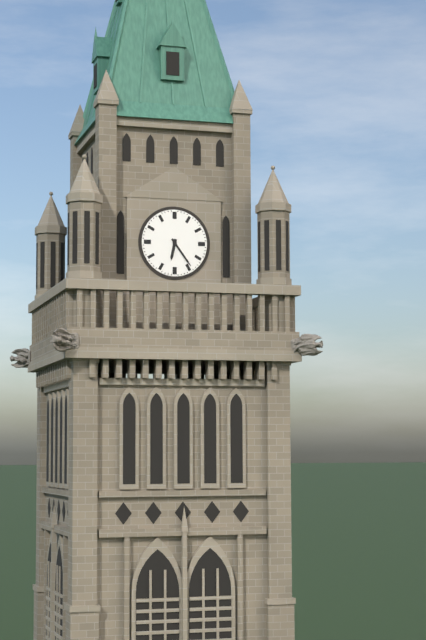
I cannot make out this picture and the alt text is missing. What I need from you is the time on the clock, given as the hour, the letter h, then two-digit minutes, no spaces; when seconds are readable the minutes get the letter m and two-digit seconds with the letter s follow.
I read 6h24
